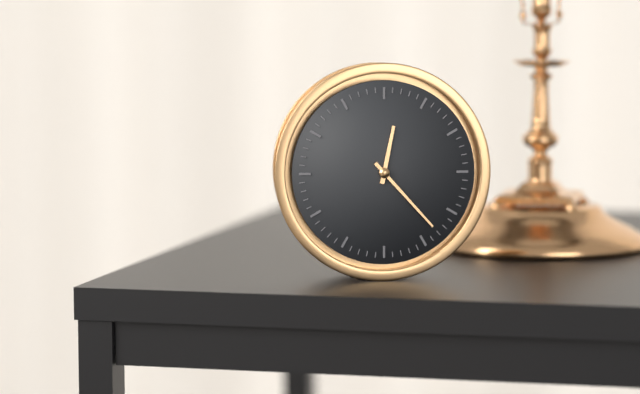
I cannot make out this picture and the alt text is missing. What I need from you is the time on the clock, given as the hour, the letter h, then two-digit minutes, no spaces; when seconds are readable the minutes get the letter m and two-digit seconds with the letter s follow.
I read 12h23
